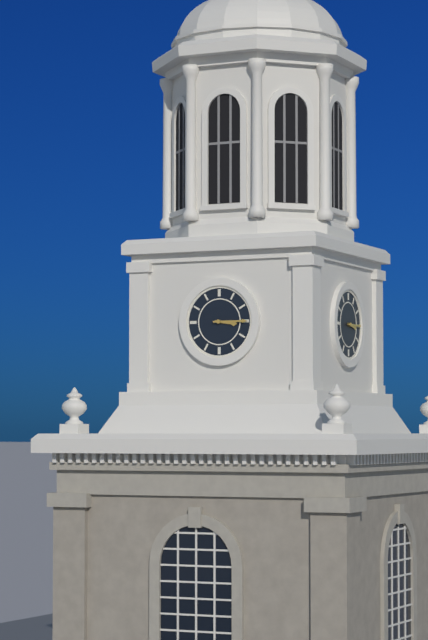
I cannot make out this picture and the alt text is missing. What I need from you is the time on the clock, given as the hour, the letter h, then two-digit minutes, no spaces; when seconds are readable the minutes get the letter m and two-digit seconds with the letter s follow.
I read 3h15
